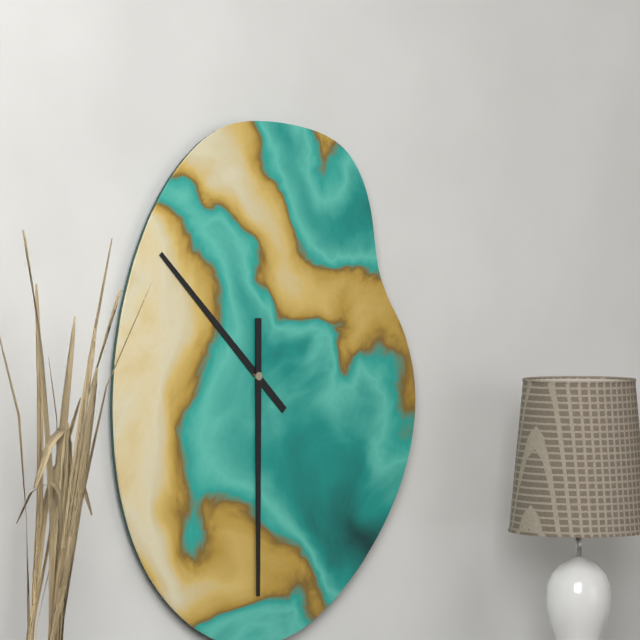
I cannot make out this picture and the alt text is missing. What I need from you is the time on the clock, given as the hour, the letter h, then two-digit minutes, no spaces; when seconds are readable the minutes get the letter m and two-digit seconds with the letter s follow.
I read 10h30
